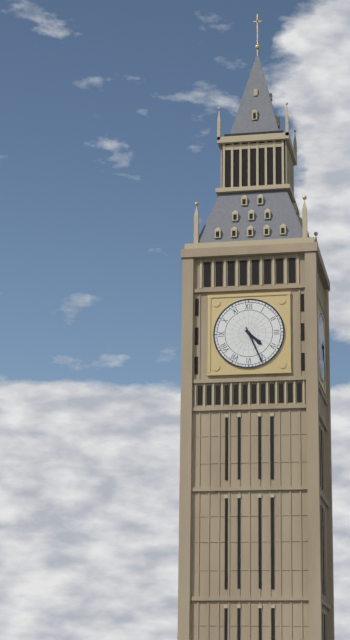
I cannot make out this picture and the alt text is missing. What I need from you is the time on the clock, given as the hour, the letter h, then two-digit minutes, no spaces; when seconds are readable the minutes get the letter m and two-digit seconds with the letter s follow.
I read 4h26
